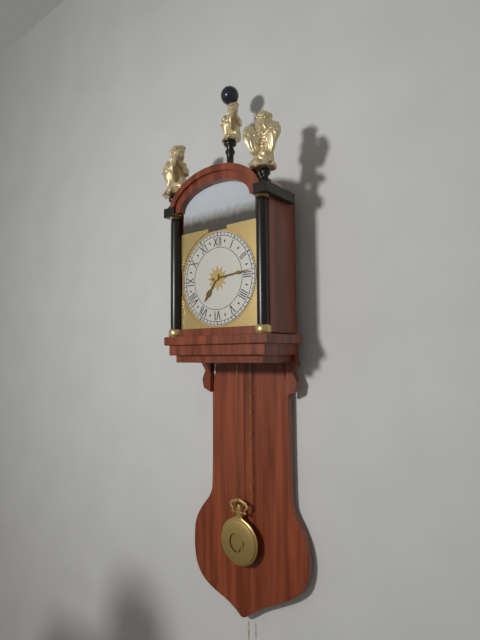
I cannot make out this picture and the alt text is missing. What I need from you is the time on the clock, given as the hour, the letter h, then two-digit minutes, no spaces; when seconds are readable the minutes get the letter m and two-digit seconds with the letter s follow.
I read 7h14
